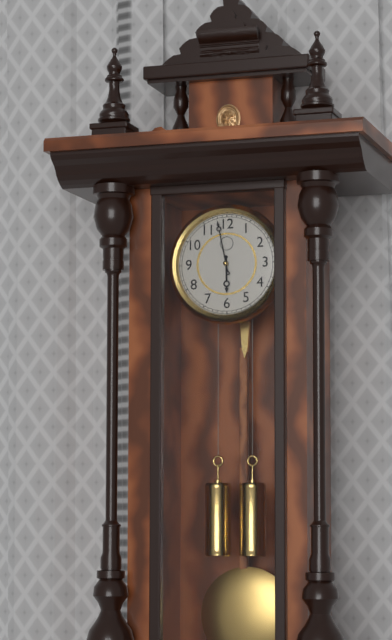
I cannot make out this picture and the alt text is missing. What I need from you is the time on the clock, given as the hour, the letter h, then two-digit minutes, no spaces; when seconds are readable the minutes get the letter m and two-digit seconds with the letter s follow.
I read 5h58
